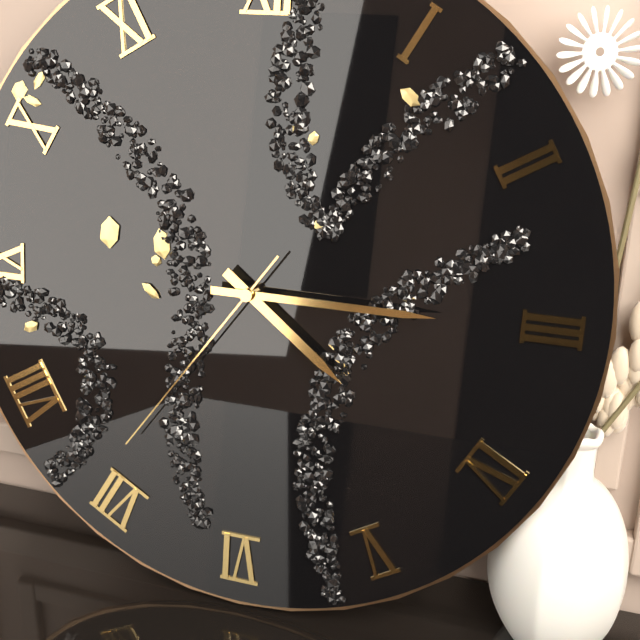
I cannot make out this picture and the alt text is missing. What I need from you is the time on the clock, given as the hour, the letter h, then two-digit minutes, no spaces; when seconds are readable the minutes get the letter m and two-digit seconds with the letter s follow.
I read 4h15m36s
